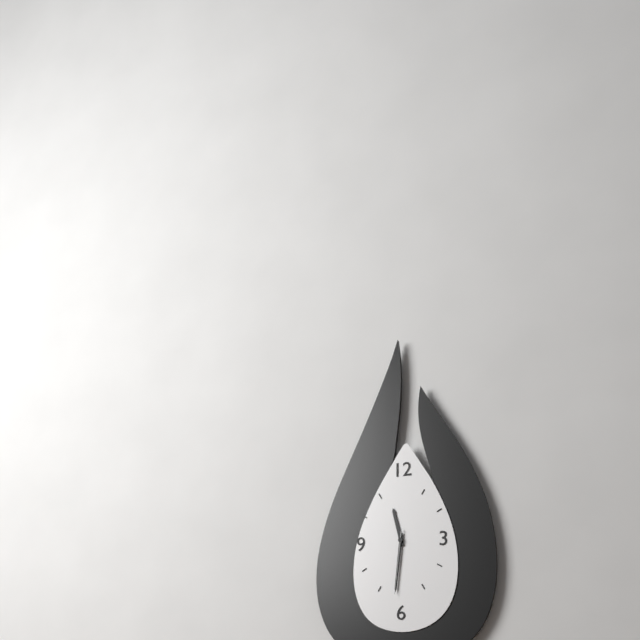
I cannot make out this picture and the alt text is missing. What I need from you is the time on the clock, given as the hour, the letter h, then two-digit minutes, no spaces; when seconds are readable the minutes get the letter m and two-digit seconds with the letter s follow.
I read 11h31m31s
